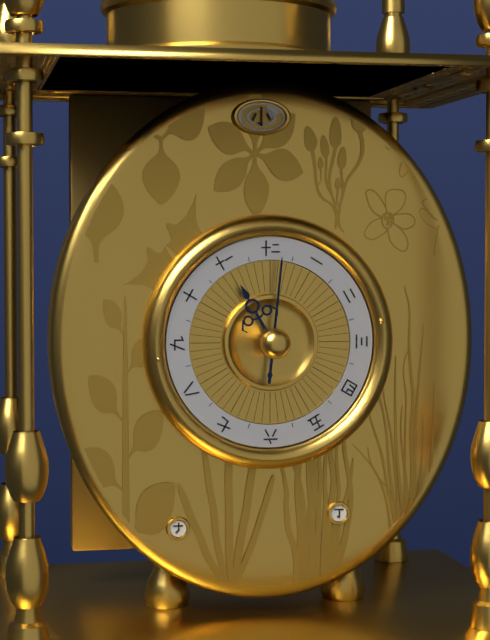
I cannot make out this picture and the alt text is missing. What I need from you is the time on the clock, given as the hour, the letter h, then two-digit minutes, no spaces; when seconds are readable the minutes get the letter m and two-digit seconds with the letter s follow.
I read 11h01
